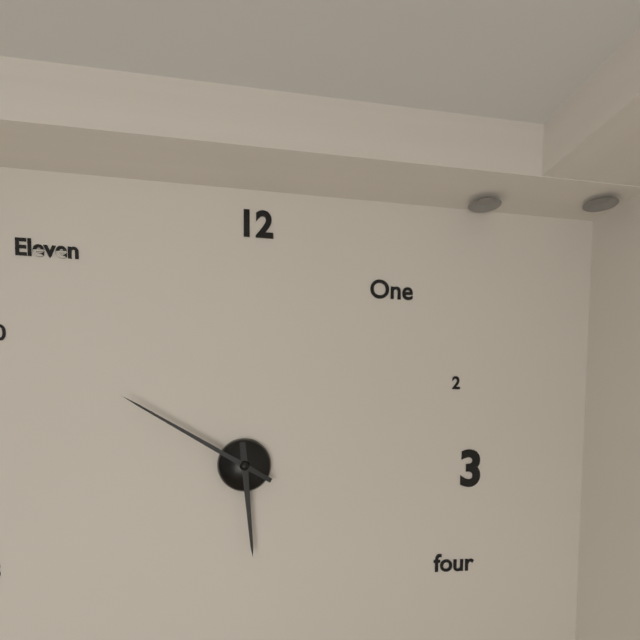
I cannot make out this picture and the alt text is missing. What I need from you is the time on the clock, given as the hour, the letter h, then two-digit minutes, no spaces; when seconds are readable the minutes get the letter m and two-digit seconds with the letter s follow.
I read 5h50
